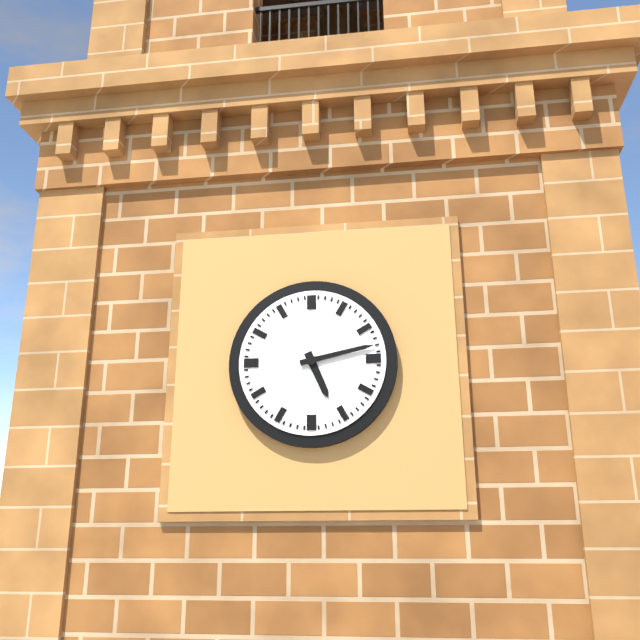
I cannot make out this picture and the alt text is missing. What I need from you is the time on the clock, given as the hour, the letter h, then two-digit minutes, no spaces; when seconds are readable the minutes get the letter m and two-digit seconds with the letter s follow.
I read 5h13
